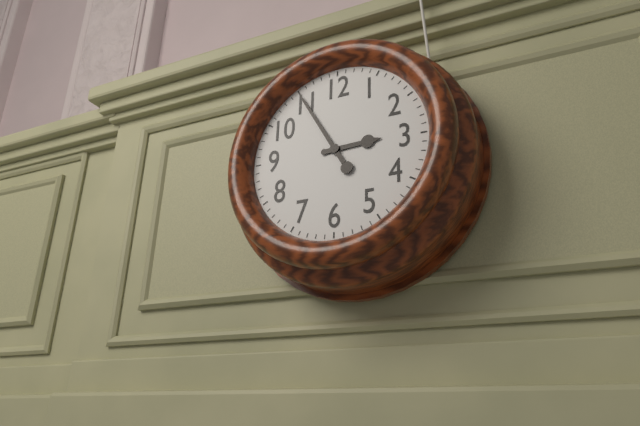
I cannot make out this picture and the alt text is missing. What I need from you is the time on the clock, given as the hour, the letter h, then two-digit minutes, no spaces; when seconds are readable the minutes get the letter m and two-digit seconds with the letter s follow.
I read 2h55
